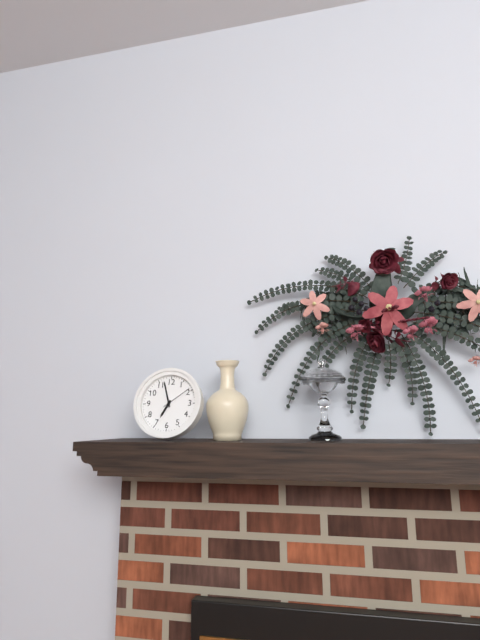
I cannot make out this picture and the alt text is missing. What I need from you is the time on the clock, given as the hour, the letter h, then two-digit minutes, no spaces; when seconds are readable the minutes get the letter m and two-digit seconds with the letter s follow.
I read 6h57
